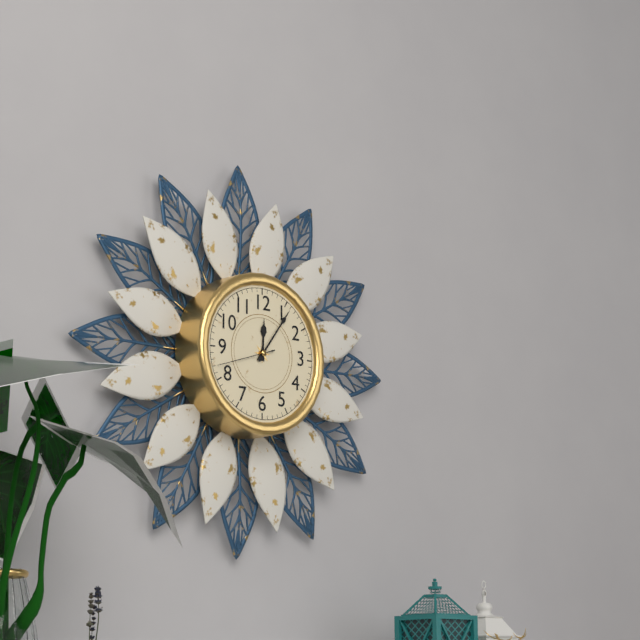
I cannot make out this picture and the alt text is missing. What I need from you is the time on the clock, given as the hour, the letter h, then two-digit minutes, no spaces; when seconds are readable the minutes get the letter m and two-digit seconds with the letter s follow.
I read 12h06m42s
